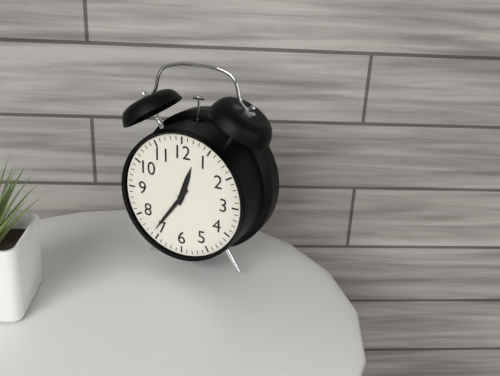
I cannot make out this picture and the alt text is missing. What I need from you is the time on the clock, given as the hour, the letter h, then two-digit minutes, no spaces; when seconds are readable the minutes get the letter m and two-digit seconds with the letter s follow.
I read 12h36
